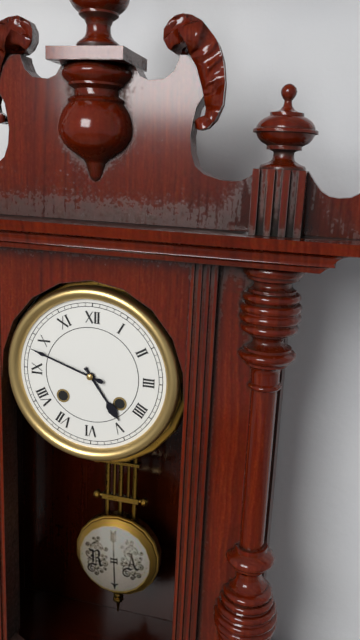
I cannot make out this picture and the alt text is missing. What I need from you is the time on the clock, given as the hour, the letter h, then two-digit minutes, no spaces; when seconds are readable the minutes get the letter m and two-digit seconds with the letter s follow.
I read 4h48
